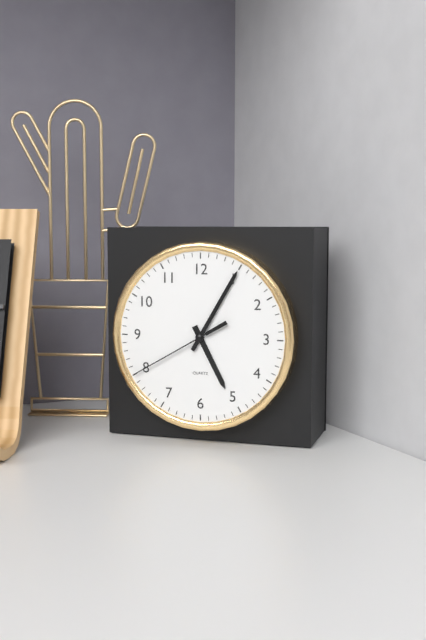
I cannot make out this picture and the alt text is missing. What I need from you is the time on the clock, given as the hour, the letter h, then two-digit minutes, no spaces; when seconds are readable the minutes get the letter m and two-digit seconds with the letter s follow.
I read 5h05m40s
